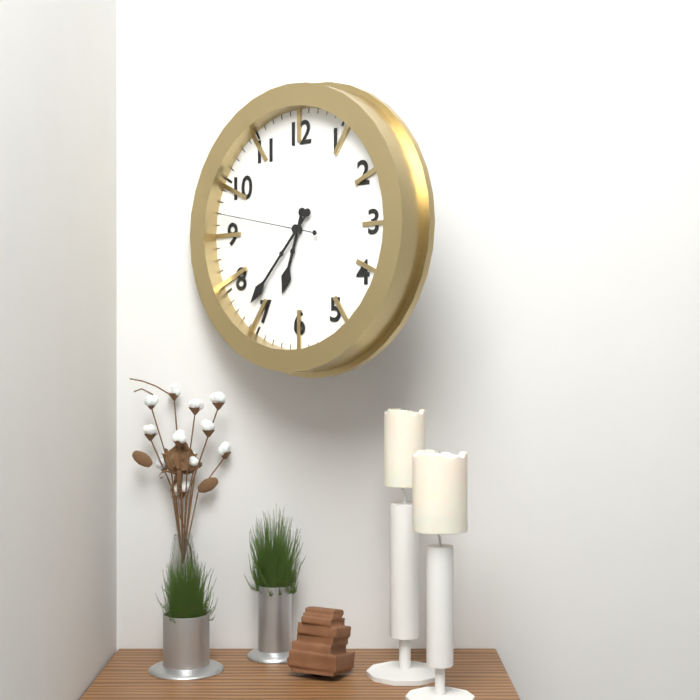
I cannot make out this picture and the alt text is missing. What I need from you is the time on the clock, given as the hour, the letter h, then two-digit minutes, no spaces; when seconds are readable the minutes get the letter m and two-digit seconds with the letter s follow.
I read 6h37m47s
